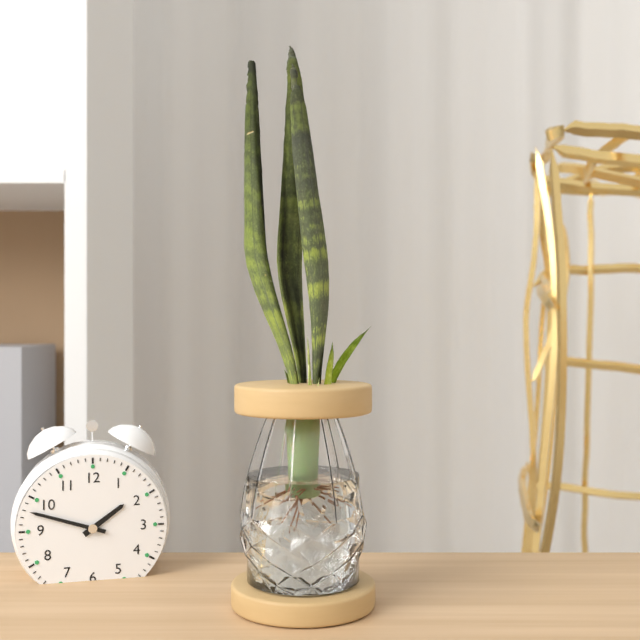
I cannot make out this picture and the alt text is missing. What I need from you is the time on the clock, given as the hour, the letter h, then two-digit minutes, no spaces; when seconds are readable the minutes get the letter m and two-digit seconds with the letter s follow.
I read 1h48
